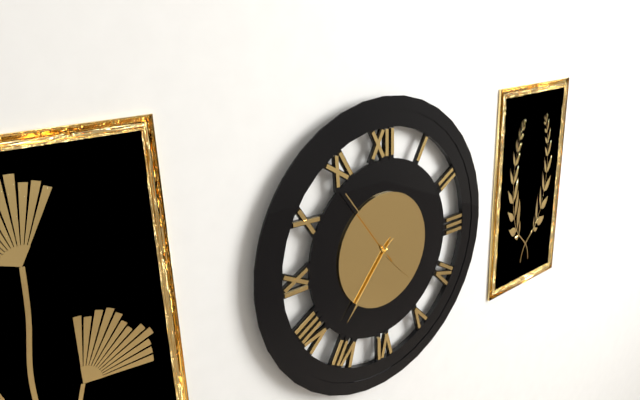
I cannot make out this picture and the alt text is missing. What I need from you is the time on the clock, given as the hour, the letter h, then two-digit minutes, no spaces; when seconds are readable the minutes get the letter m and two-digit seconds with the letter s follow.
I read 4h37m54s
